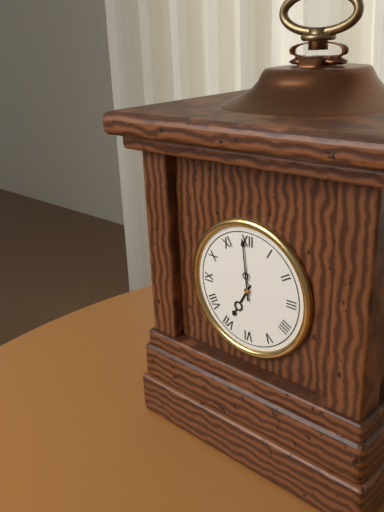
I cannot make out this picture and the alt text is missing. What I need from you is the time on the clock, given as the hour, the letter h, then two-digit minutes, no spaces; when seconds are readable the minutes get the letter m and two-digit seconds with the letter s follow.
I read 6h59
